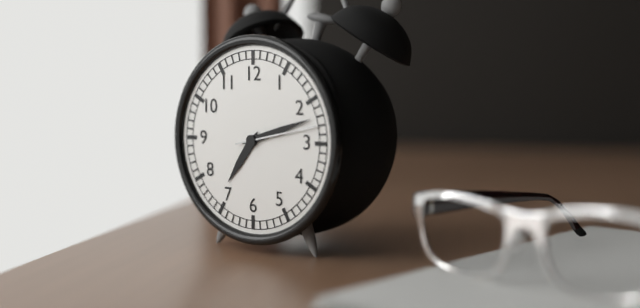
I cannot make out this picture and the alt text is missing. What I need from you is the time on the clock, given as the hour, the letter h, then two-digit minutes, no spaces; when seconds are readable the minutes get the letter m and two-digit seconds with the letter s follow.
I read 7h12m13s
